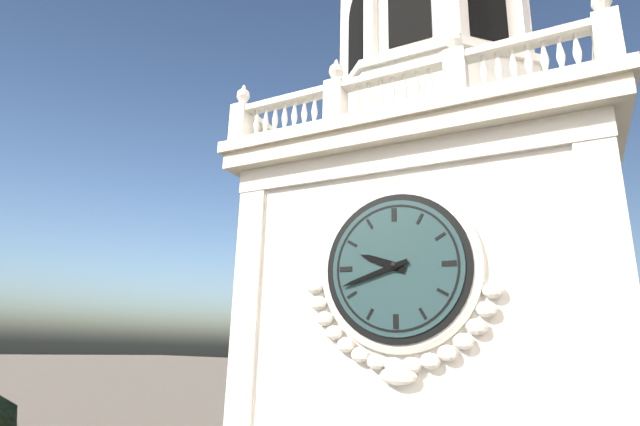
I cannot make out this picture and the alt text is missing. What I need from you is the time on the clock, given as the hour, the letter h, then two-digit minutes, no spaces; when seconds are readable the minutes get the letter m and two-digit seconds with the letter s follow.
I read 9h42
